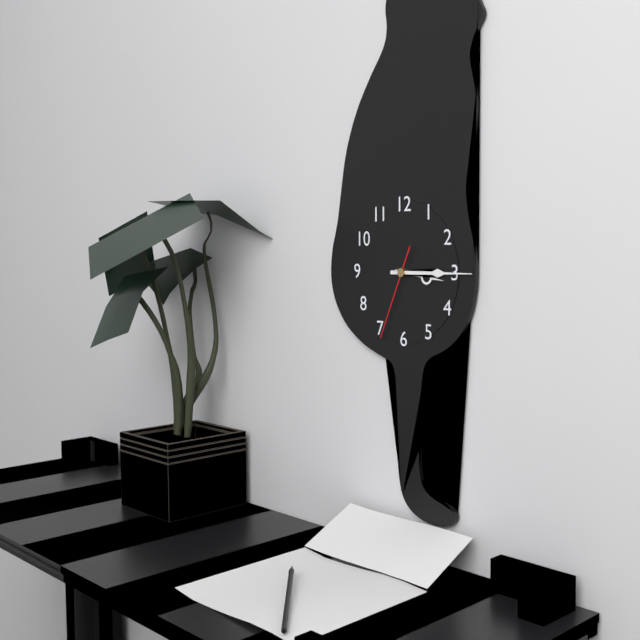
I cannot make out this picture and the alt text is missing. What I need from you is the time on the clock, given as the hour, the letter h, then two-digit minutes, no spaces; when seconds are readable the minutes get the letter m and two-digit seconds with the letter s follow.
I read 3h15m34s
